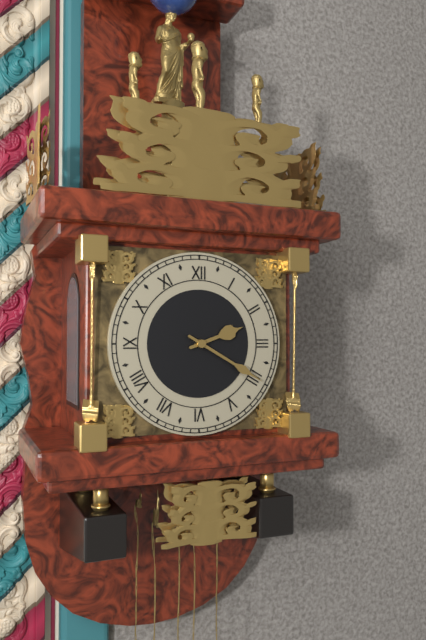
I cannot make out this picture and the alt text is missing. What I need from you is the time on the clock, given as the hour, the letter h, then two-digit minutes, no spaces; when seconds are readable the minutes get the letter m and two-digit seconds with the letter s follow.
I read 2h20
